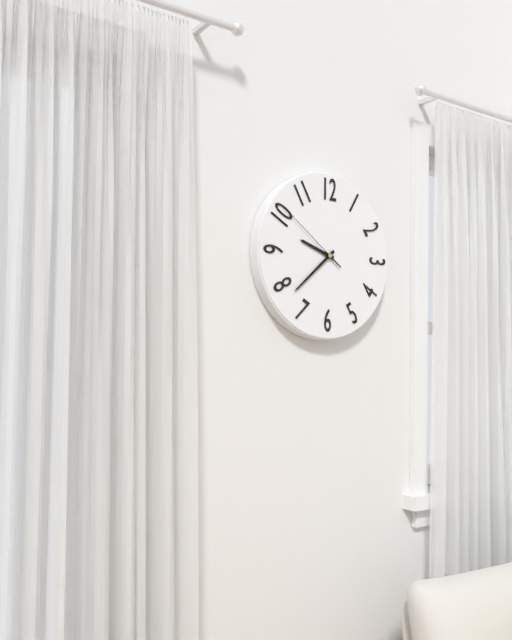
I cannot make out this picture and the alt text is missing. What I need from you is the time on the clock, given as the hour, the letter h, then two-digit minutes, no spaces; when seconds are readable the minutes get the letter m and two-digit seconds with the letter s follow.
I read 9h38m51s
